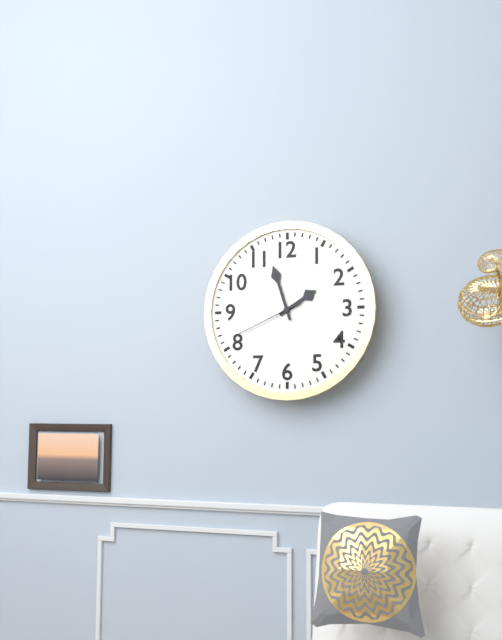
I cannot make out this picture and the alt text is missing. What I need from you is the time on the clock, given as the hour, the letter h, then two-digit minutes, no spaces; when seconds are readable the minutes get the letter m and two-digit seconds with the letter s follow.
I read 1h57m41s
